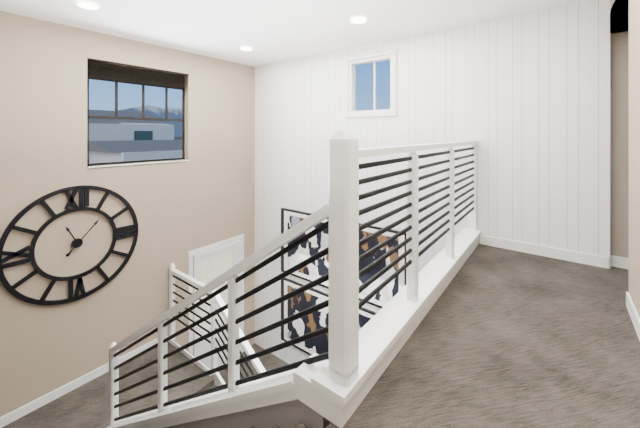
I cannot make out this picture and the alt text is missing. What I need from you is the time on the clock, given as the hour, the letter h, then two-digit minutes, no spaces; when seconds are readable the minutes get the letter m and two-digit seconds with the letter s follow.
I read 11h07
